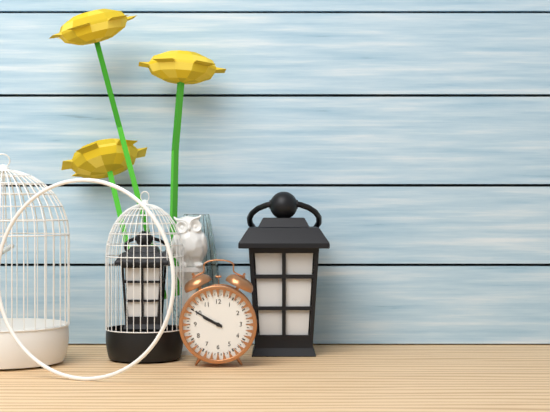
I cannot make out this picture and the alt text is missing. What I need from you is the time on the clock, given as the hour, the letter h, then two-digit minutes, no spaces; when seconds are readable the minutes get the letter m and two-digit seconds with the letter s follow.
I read 9h50
